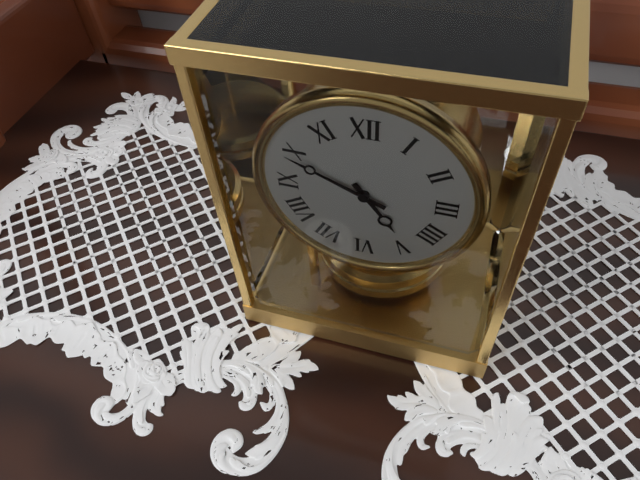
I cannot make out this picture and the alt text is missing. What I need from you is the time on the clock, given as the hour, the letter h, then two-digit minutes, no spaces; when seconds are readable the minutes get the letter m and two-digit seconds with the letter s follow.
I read 4h49
